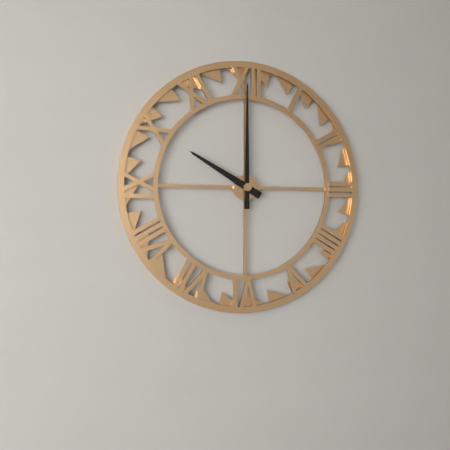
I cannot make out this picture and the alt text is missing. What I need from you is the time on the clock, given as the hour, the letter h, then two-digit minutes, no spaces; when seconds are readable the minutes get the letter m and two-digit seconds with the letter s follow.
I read 10h00
